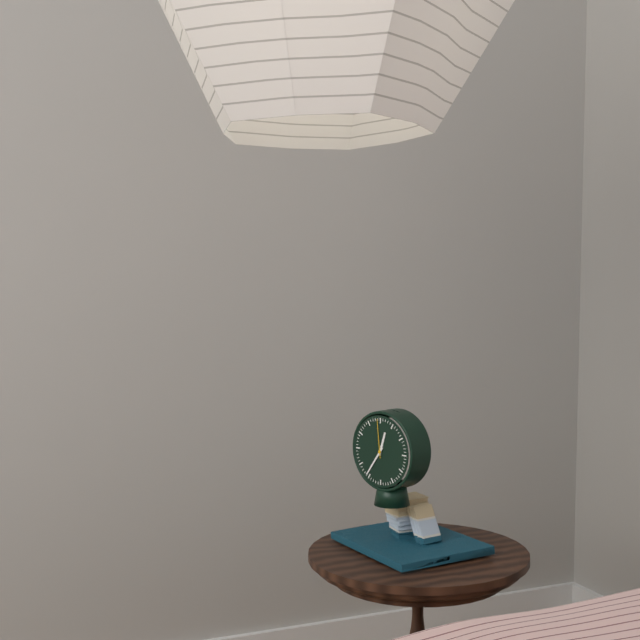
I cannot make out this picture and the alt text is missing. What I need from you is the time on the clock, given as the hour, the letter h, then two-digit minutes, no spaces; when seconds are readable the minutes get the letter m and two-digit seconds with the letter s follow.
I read 12h36
